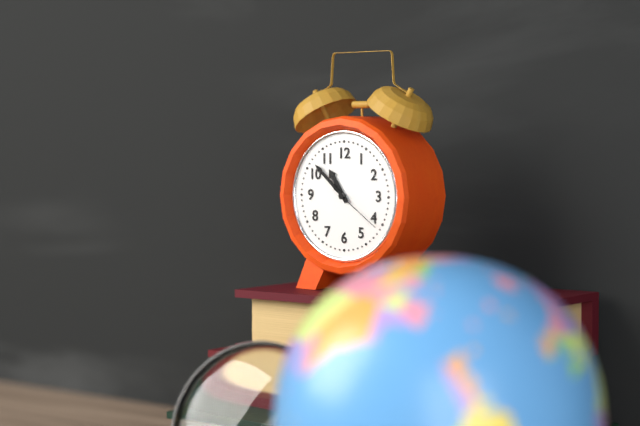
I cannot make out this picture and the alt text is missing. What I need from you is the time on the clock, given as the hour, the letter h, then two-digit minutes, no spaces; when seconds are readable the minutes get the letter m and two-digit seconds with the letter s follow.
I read 10h52m21s
